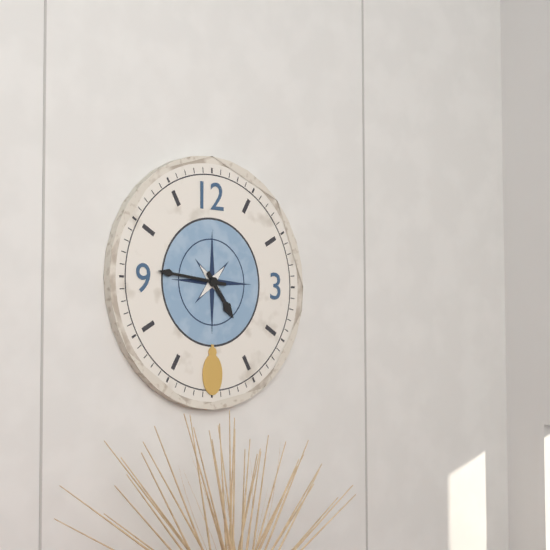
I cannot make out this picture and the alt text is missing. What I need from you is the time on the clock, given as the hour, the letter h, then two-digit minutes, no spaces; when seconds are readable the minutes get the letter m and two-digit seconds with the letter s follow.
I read 4h46
